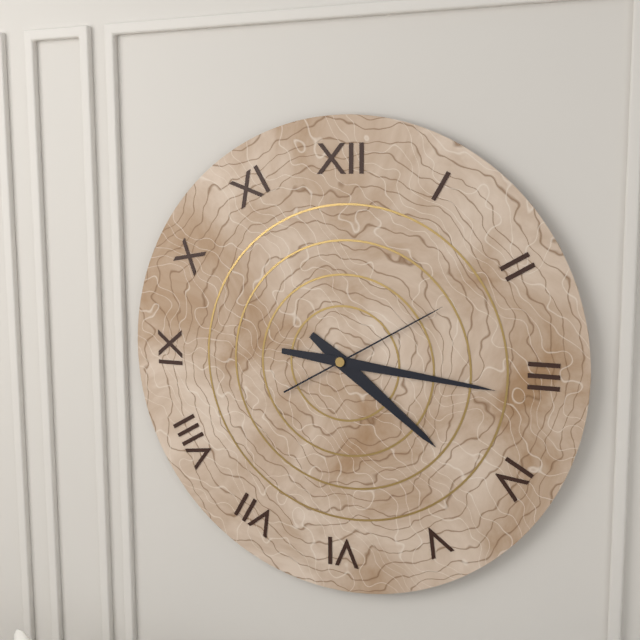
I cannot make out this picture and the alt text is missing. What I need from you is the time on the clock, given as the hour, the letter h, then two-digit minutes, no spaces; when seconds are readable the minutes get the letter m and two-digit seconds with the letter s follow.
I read 4h16m10s
